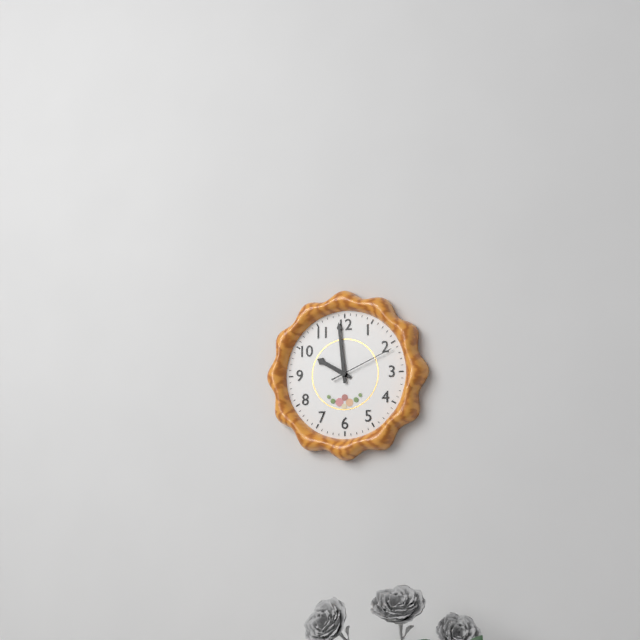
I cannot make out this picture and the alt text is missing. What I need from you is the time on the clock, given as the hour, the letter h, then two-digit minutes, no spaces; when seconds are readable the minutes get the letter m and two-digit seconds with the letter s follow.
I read 9h59m11s
